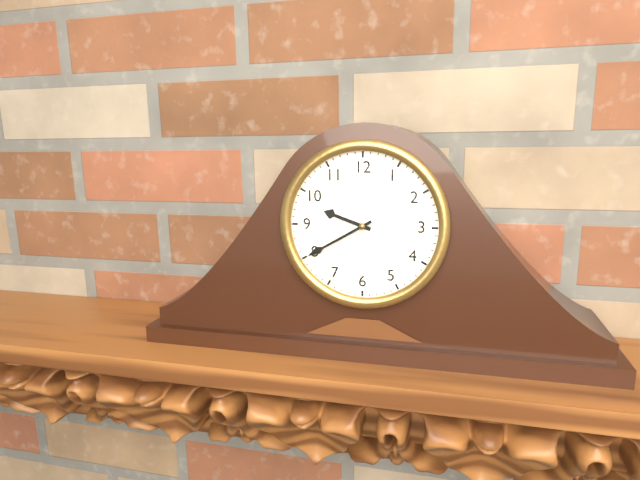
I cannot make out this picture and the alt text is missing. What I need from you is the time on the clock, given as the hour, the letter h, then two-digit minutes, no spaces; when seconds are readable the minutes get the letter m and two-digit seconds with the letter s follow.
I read 9h40
